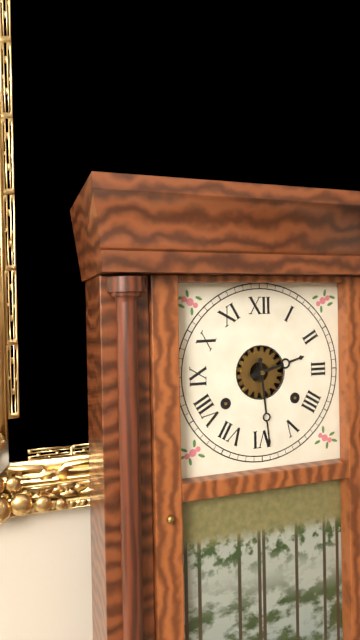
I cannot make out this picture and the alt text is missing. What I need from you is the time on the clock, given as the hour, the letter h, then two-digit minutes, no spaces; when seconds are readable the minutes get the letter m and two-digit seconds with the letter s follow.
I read 2h29
